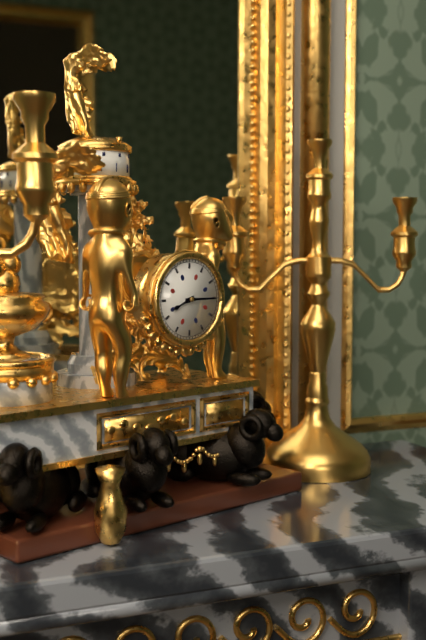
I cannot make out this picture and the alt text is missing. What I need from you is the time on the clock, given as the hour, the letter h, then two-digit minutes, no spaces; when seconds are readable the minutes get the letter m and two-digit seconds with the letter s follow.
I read 8h15
